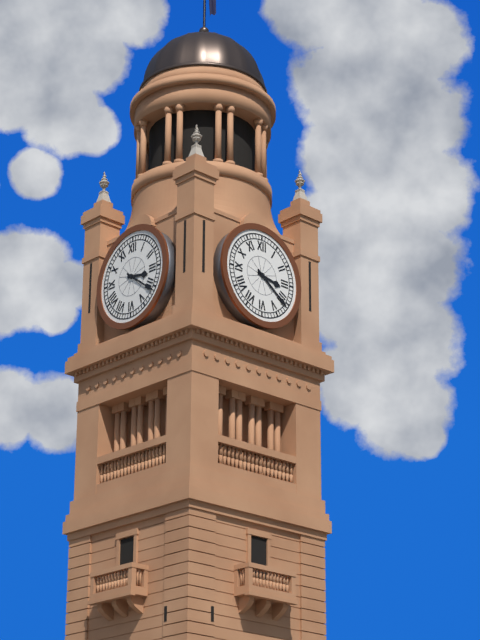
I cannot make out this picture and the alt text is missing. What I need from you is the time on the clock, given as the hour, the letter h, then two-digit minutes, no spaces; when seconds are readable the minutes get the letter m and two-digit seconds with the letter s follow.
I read 3h21
